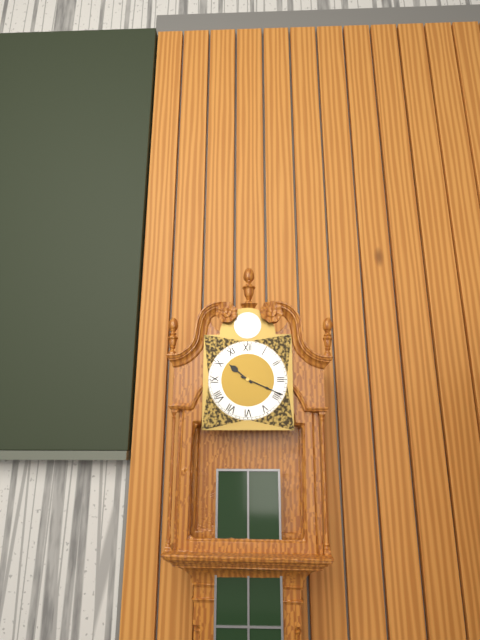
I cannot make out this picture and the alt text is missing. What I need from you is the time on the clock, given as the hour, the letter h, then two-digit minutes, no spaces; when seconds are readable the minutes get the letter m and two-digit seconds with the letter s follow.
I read 10h19
